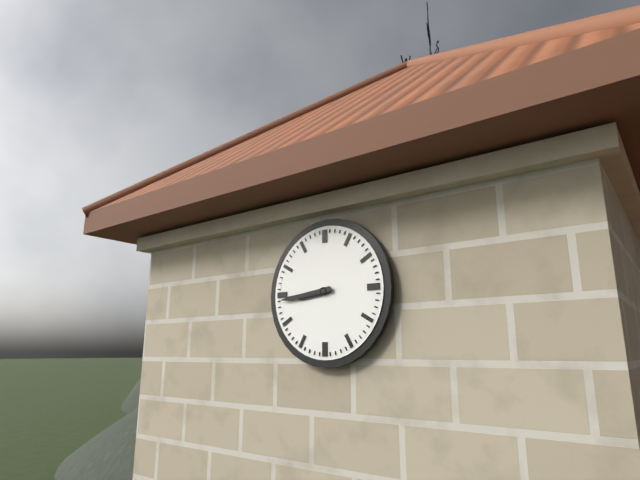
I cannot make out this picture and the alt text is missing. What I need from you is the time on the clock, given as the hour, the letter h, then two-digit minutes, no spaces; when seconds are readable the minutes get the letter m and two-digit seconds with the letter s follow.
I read 8h44
